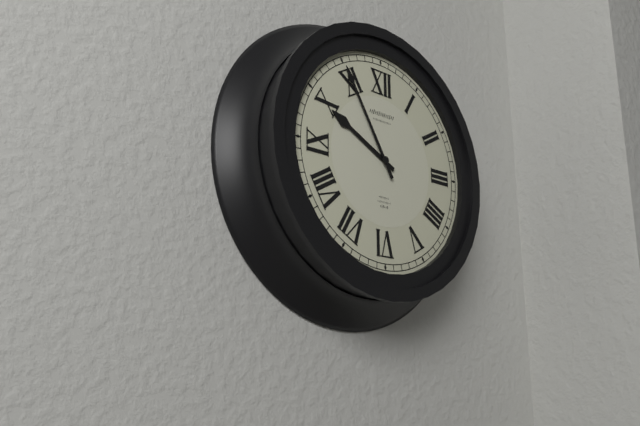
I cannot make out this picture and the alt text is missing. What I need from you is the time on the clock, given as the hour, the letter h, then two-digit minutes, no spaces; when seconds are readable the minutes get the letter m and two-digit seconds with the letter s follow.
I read 9h55
